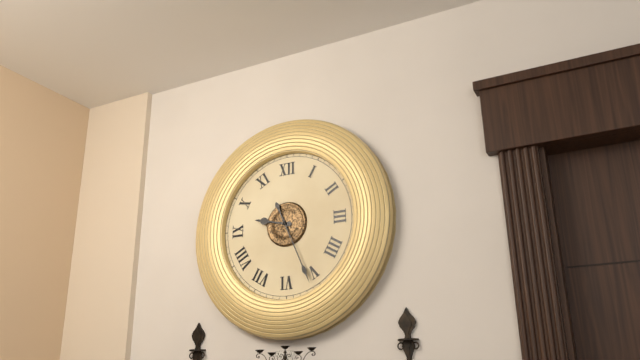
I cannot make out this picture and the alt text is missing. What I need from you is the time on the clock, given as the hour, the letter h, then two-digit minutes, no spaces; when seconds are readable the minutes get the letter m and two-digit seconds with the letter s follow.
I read 9h26
